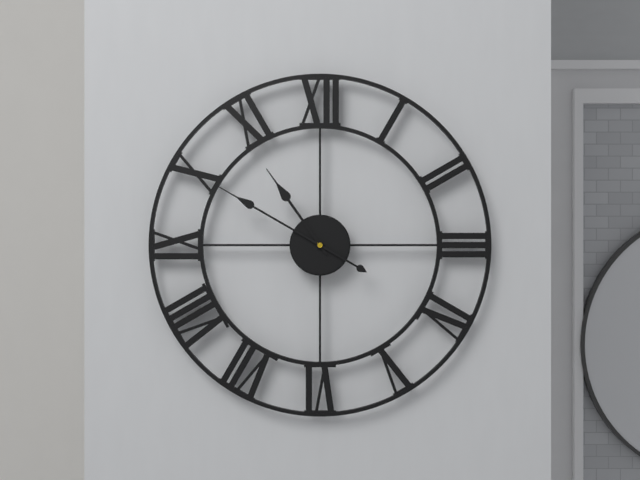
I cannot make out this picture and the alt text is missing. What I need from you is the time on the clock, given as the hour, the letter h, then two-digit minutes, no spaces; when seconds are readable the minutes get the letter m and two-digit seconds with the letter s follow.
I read 10h50
